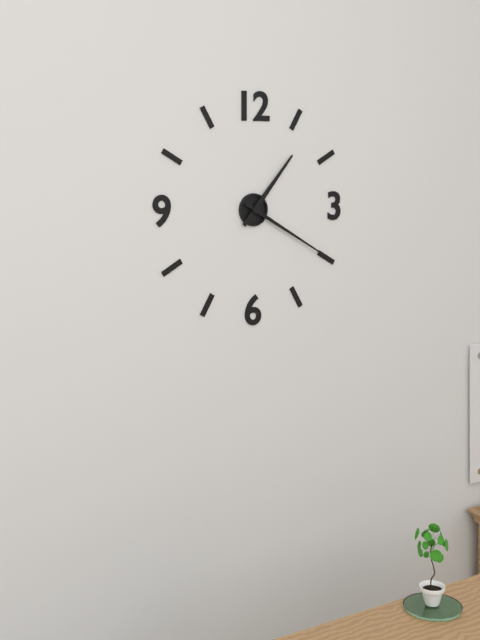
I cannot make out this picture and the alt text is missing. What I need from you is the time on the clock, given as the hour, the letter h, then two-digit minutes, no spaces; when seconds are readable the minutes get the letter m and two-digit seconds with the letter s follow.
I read 1h20
